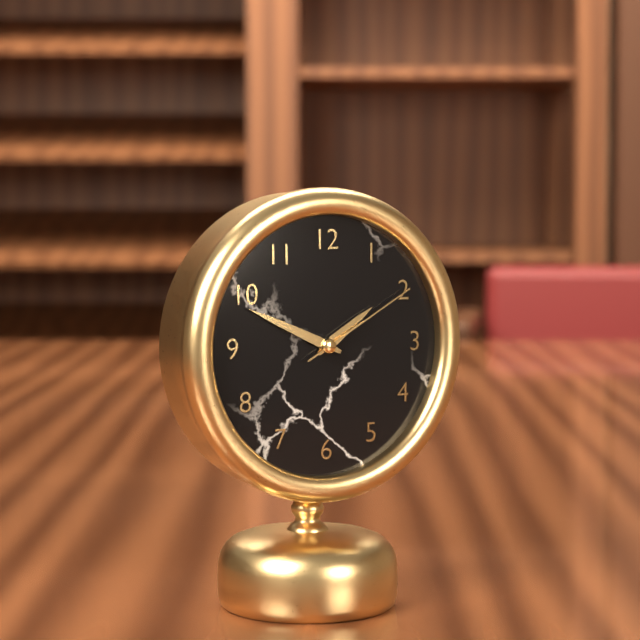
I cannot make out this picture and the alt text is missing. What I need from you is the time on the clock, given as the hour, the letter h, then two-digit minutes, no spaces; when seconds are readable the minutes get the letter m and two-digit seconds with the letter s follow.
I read 1h49m10s
